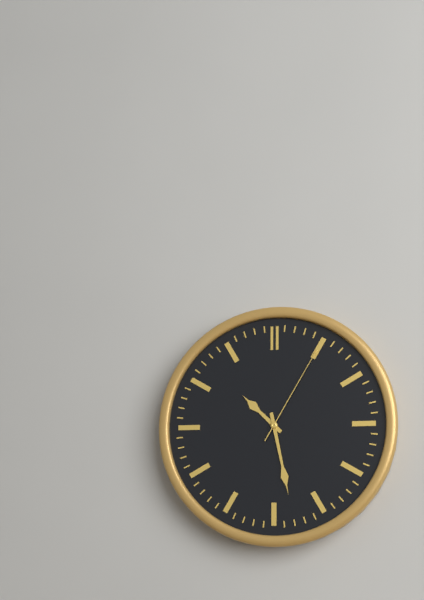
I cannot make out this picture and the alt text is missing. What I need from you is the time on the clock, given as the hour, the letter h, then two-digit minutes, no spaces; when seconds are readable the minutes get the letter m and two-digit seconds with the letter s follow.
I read 10h28m05s
